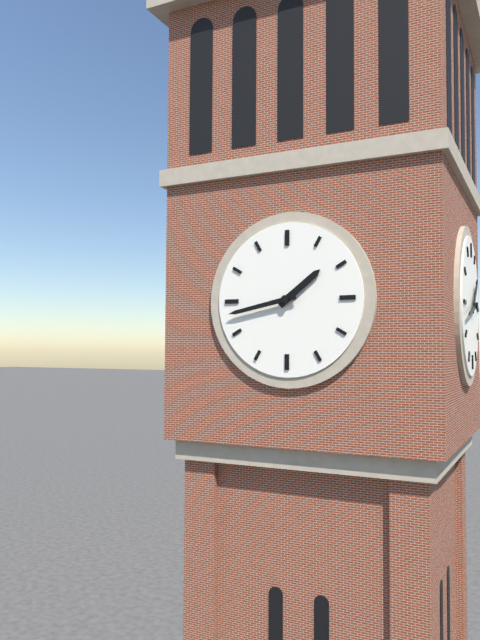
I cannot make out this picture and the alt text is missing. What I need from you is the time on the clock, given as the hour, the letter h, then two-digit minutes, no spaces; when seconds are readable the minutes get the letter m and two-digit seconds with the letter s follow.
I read 1h43
